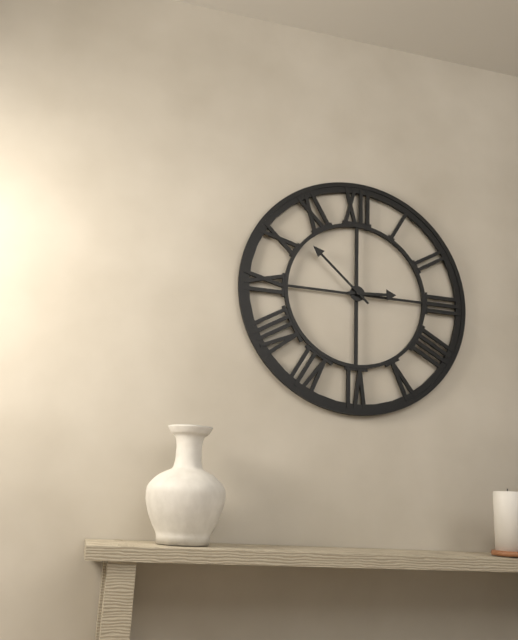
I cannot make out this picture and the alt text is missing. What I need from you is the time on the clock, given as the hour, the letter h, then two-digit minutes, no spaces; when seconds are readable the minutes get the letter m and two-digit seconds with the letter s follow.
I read 2h52
